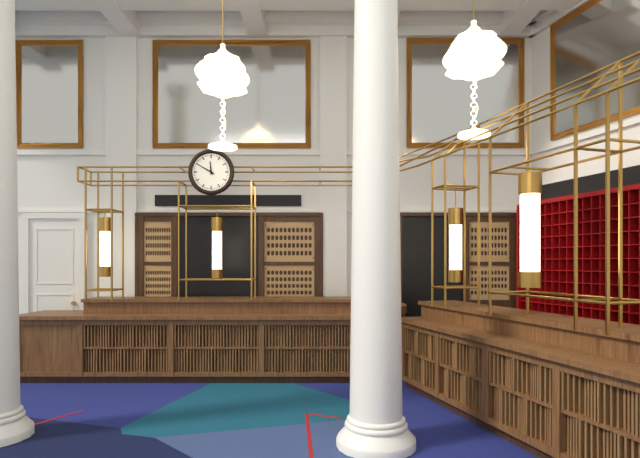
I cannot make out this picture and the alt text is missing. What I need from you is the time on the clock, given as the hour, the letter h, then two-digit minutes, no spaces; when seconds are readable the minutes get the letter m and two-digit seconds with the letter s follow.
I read 11h50
